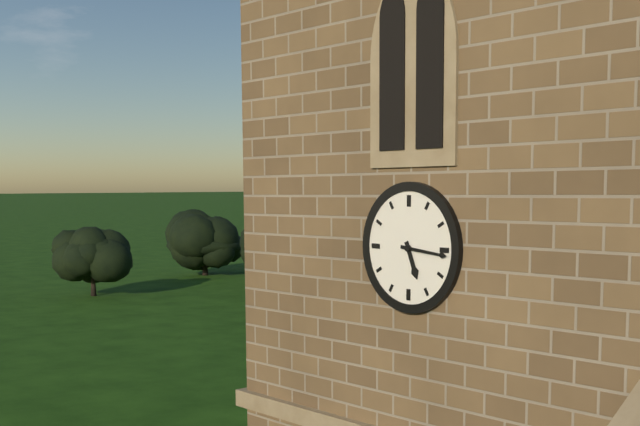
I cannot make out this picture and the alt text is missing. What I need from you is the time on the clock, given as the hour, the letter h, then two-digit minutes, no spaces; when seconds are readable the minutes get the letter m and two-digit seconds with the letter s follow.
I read 5h16
